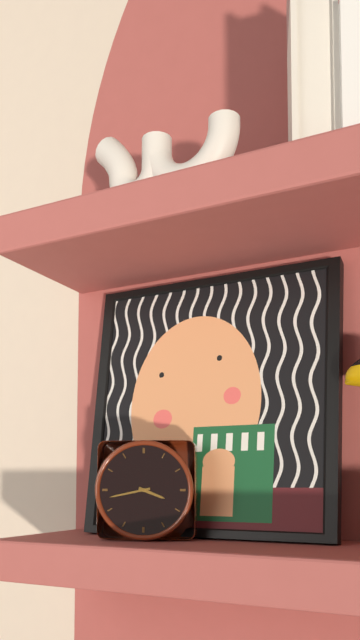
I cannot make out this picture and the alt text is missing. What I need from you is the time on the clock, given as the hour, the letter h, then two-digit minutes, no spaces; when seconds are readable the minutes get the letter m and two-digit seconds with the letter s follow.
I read 3h43
